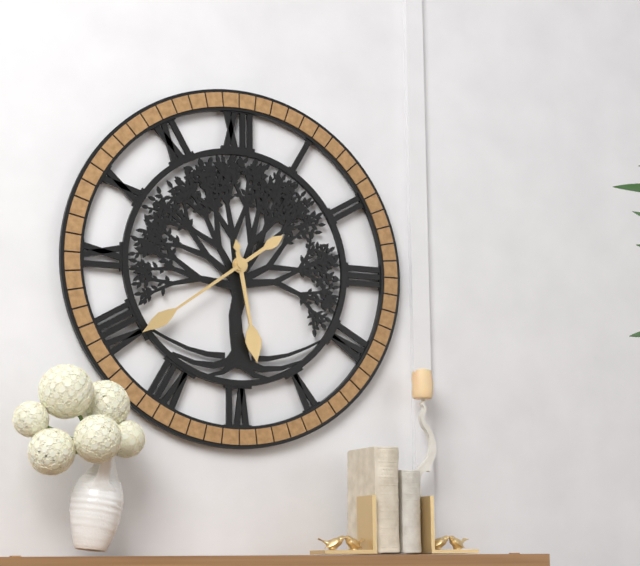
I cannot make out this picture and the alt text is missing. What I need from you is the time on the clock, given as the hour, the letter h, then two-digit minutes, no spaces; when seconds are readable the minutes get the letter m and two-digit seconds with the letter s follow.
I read 5h39
